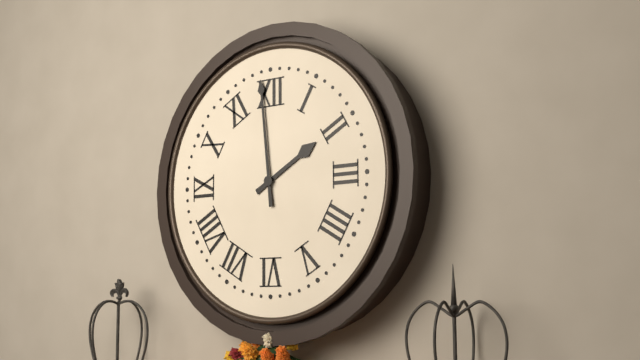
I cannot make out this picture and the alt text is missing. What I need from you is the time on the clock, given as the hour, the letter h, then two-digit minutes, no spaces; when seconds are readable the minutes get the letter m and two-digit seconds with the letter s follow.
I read 1h59
